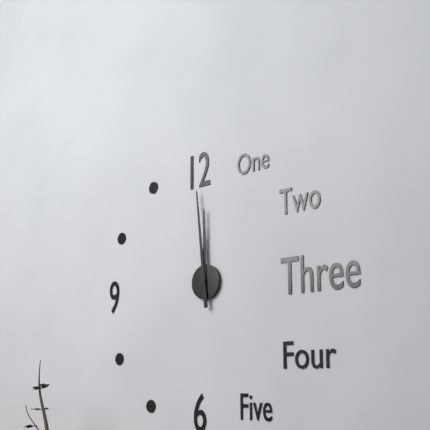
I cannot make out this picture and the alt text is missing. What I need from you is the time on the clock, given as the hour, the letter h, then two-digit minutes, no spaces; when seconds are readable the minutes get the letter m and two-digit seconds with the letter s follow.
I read 11h59
